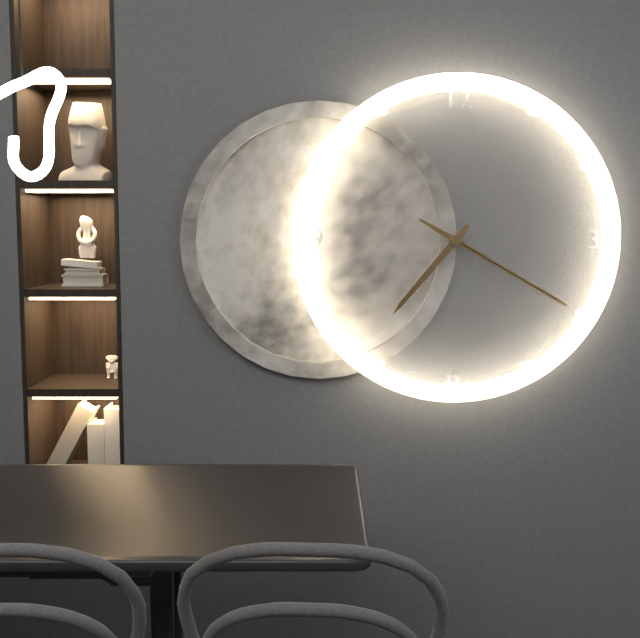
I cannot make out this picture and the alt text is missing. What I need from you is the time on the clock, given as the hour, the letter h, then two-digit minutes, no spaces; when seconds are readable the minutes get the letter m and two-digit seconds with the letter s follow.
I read 7h20m20s
